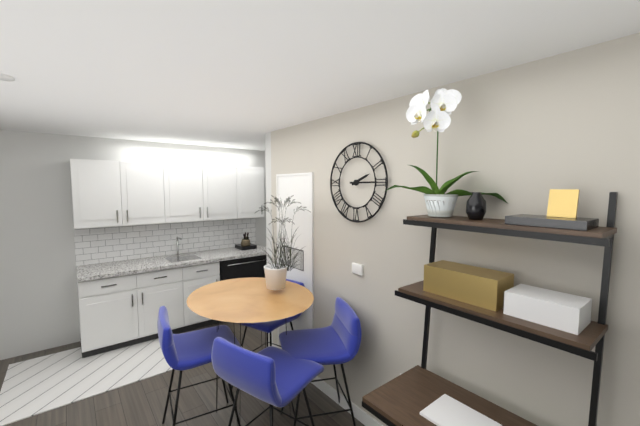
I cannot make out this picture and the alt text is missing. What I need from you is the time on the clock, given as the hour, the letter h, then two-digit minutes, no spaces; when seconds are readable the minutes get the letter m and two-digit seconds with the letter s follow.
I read 2h15
